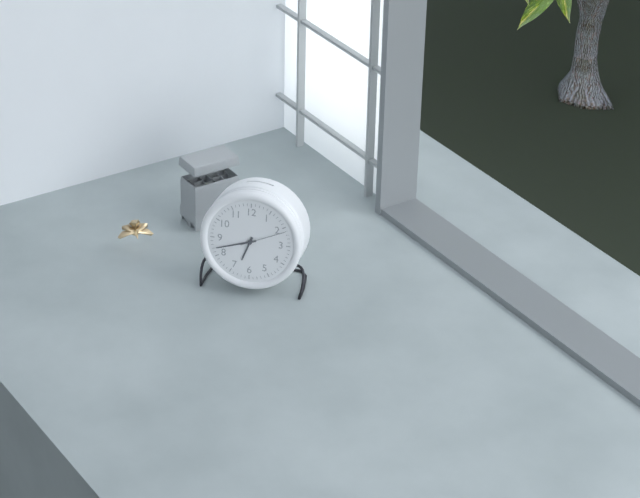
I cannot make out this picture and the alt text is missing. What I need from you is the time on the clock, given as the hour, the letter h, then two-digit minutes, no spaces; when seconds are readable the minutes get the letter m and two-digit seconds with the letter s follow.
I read 6h42
